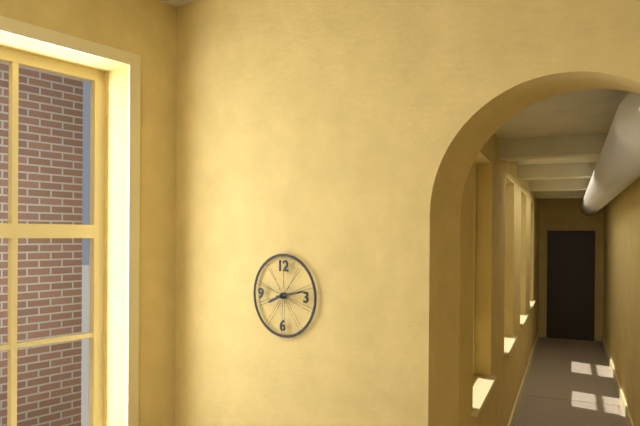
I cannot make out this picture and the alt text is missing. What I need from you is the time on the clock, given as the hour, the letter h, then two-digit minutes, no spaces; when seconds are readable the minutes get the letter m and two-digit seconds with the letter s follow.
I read 8h13
